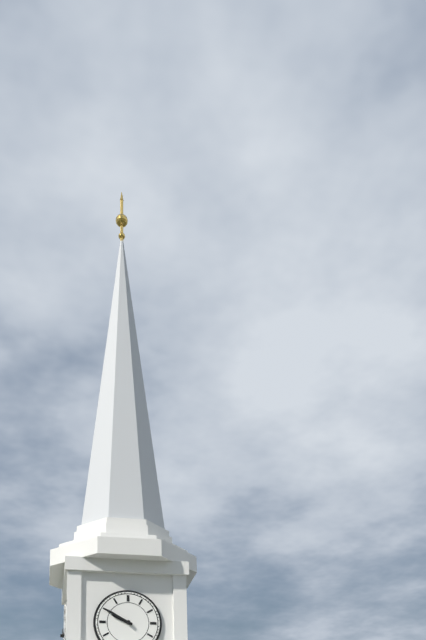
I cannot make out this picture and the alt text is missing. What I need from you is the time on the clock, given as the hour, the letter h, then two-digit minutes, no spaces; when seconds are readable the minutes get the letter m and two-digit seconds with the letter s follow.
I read 9h50
